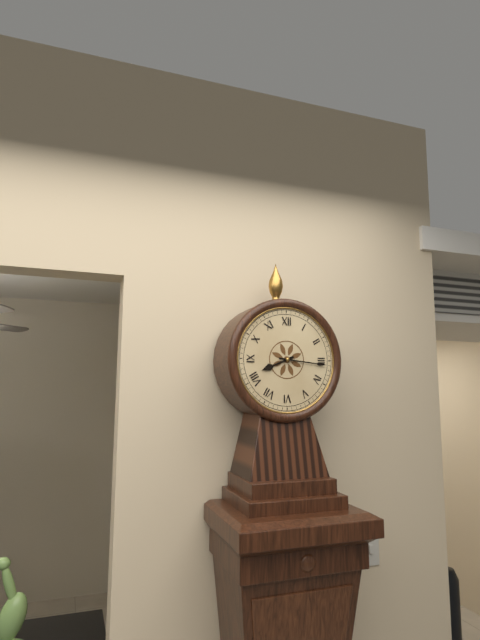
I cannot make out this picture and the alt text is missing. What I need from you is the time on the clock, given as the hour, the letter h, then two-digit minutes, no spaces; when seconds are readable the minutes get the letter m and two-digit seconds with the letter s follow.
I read 8h16
